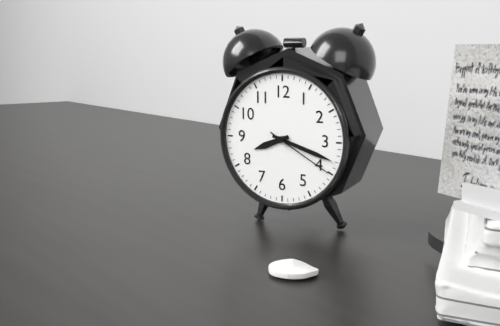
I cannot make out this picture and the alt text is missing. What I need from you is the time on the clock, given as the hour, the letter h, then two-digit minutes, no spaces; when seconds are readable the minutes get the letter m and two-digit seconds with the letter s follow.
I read 8h18m20s
